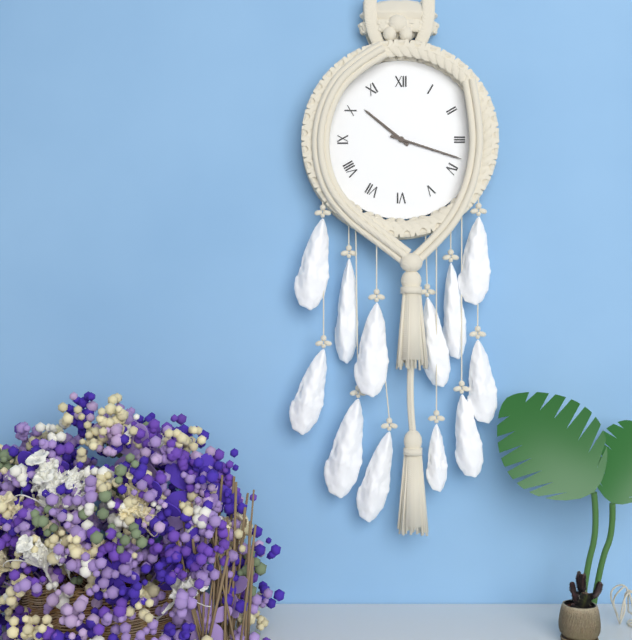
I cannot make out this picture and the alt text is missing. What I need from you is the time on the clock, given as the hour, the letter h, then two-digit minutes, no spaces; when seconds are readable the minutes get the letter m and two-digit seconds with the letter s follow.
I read 10h18
